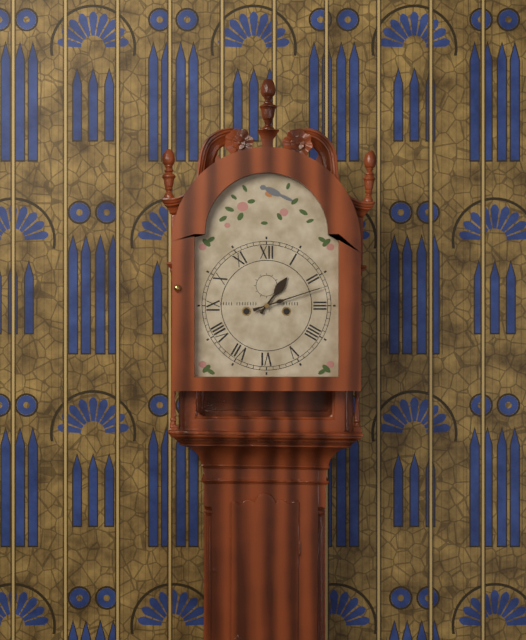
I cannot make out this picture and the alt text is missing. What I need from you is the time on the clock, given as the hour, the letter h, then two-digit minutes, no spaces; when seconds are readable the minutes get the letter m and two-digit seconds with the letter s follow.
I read 1h12
